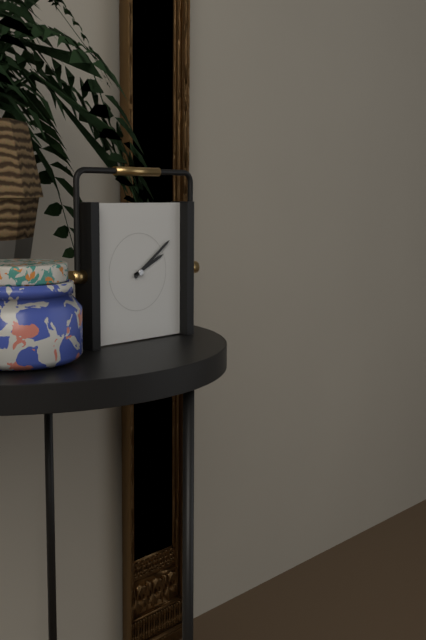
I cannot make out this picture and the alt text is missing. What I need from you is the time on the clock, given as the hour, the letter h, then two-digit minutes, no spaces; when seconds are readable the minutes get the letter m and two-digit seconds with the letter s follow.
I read 2h09
